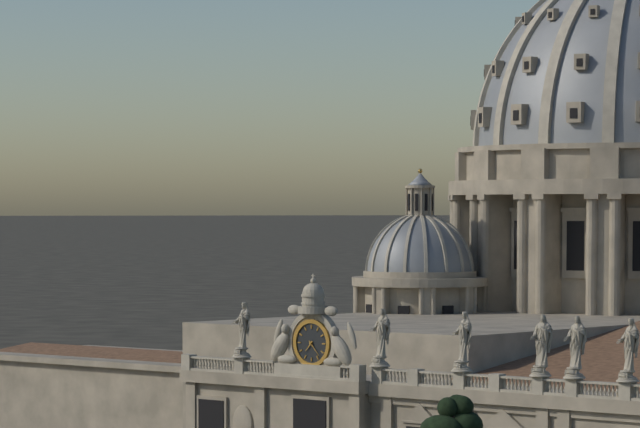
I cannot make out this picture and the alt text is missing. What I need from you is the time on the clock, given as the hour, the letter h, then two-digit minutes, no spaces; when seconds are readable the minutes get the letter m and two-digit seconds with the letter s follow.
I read 7h23
